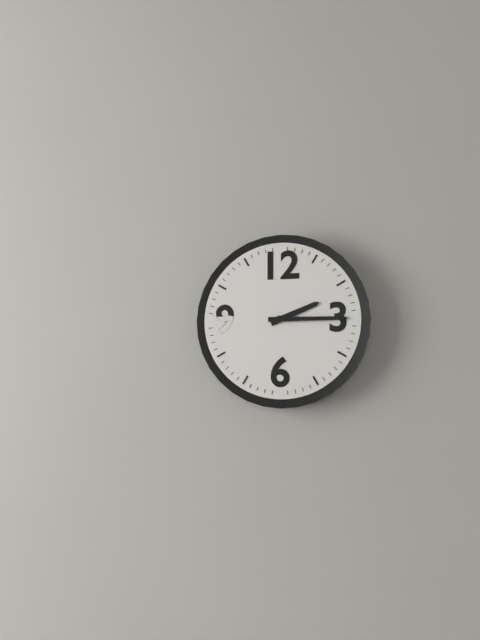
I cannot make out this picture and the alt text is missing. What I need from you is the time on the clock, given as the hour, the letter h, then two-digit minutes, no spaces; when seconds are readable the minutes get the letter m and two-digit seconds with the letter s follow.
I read 2h15
